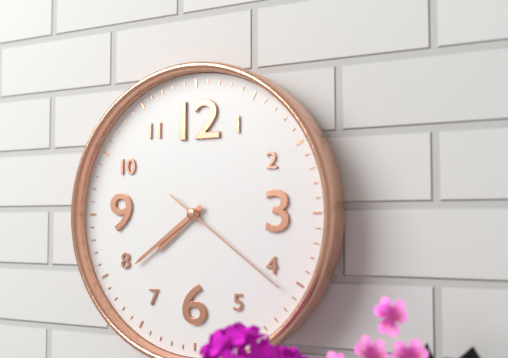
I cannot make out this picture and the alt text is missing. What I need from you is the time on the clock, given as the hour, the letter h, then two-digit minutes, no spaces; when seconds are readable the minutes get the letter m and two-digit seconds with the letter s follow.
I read 7h39m21s
